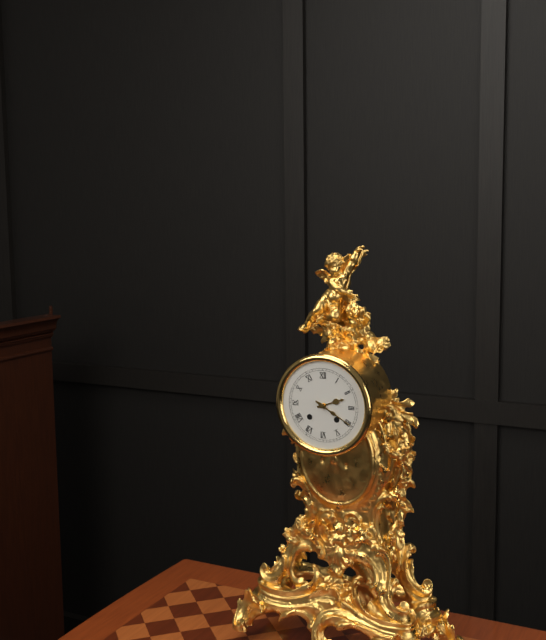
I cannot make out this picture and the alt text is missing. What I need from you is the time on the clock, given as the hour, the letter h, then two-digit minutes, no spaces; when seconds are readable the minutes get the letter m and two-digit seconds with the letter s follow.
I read 2h20
